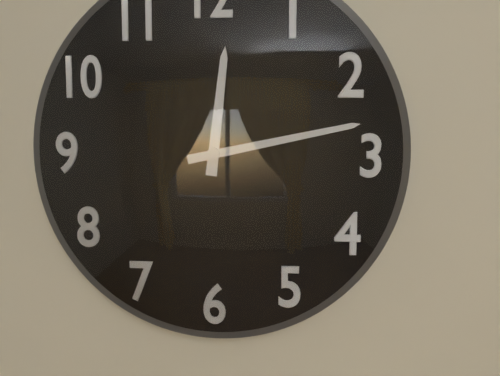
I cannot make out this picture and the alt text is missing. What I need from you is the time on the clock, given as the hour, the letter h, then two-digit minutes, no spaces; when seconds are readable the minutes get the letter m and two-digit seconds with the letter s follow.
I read 12h13
